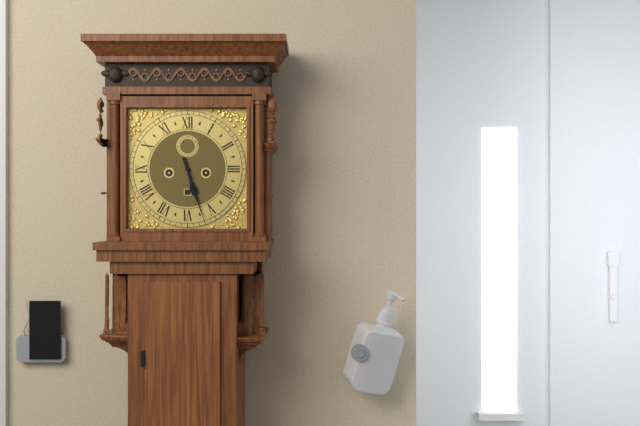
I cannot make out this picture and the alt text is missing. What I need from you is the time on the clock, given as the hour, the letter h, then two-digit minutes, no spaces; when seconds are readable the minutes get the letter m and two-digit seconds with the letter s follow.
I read 5h27
